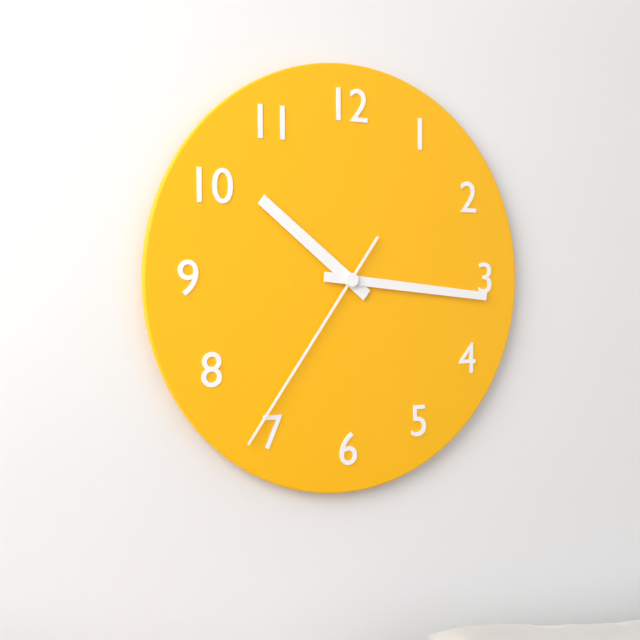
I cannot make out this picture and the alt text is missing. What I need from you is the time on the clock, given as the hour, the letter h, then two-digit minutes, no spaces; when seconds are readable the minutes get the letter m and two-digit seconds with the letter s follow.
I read 10h16m36s
